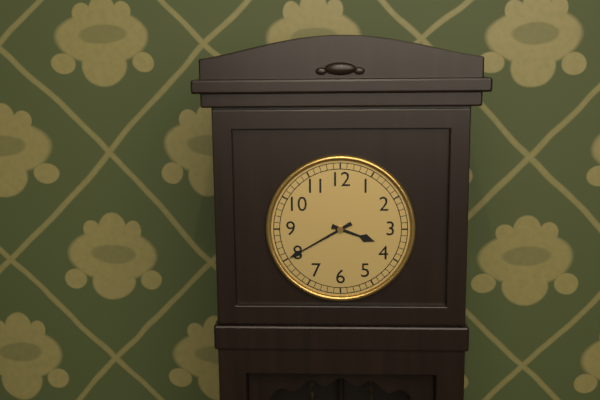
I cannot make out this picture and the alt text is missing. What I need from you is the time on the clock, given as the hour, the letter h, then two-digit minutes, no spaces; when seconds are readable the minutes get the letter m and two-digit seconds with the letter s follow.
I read 3h40
